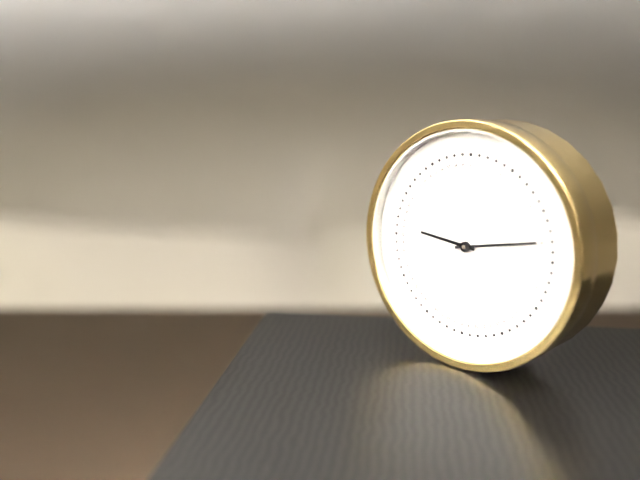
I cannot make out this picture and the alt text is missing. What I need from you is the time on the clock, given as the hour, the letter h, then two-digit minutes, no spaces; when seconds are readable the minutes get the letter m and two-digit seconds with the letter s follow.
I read 9h13
